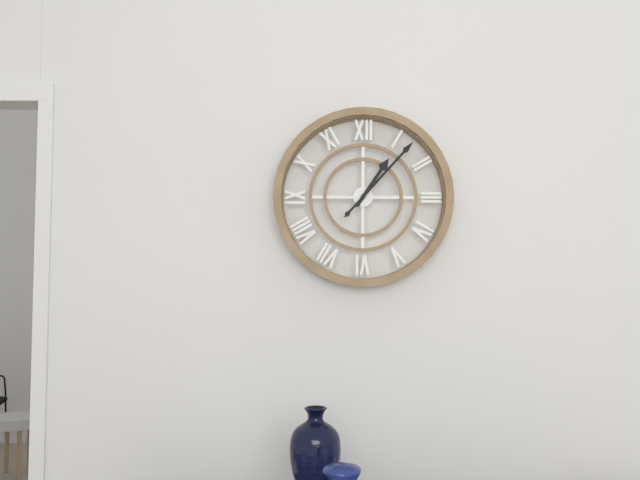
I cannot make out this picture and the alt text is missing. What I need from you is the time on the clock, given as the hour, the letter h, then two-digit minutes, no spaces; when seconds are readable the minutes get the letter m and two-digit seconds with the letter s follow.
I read 1h07
